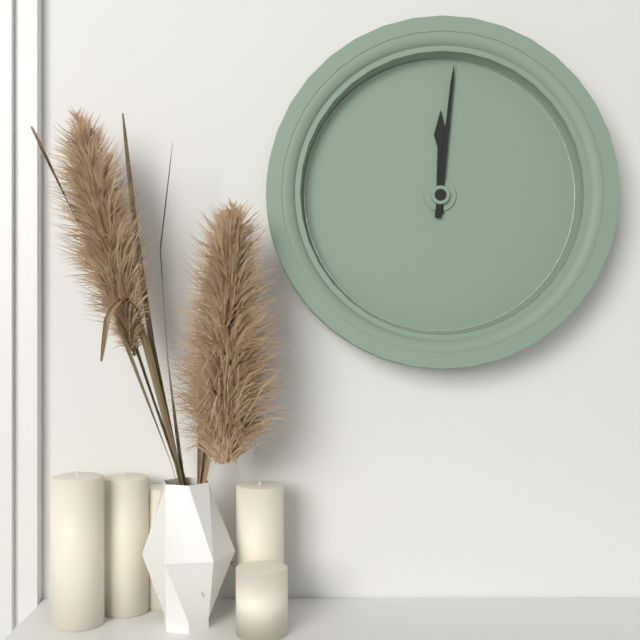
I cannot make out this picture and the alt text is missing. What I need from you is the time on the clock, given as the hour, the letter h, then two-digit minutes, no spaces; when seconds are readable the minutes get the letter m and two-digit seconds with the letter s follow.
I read 12h01
